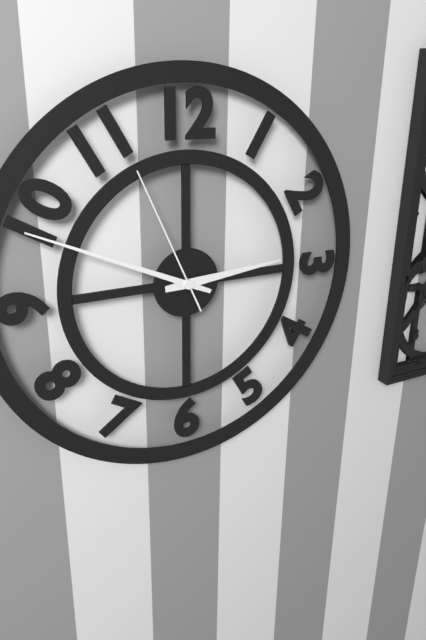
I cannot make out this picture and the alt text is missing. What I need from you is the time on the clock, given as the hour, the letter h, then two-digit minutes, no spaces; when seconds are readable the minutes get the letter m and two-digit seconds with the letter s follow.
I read 2h49m56s
